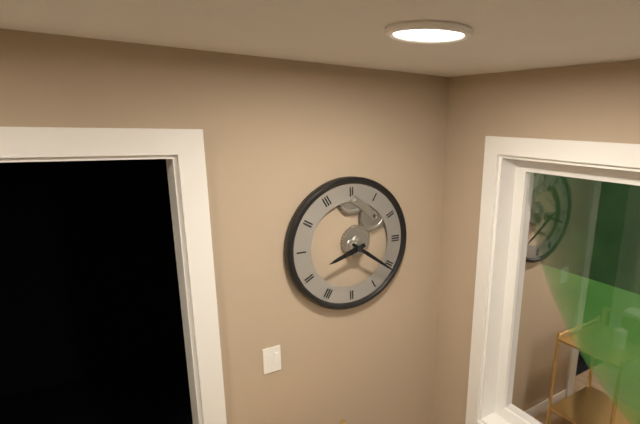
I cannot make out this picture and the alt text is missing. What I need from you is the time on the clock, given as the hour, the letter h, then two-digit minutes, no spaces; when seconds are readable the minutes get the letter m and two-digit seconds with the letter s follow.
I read 8h21
